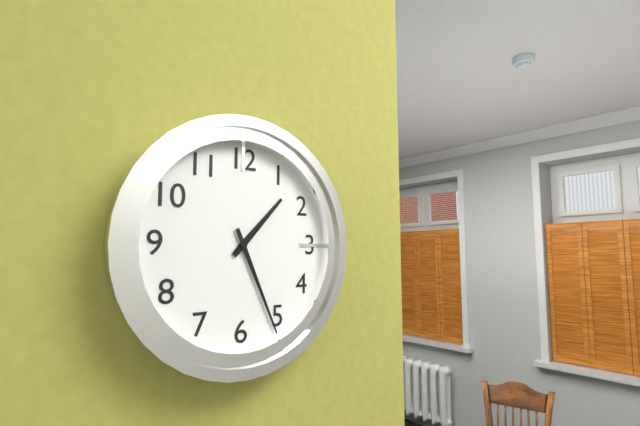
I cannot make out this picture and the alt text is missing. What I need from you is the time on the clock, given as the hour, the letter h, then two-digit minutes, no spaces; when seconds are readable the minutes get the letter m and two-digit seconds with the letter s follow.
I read 1h26
